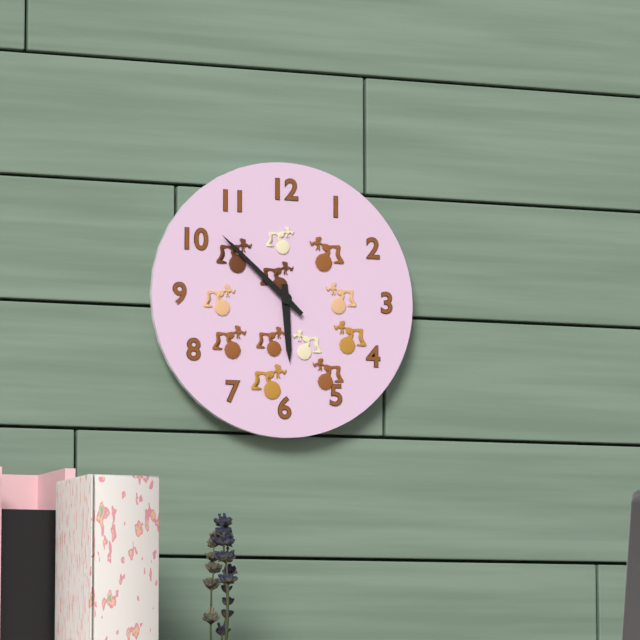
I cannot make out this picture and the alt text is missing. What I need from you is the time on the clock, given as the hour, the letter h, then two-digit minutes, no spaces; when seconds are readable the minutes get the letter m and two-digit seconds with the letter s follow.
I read 5h52
